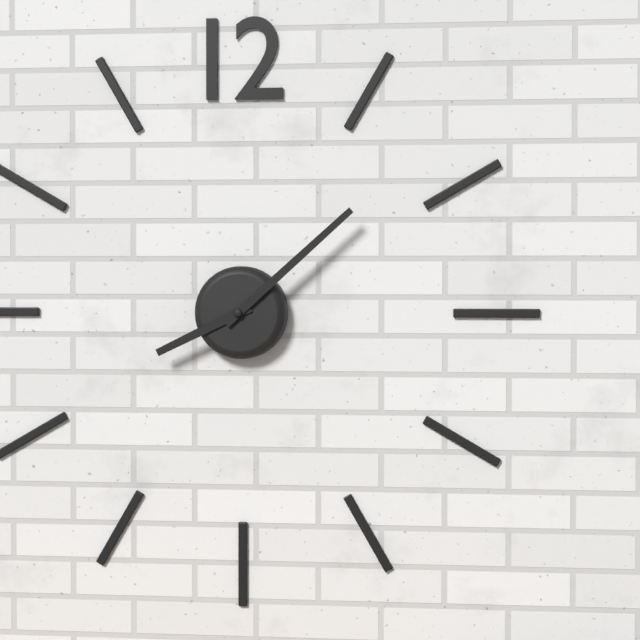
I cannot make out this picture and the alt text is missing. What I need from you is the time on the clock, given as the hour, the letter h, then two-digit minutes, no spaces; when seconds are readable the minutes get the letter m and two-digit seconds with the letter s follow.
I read 8h08
